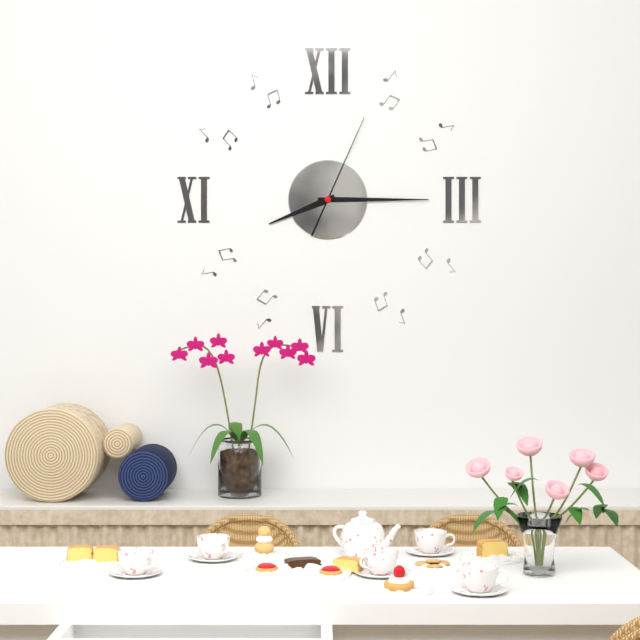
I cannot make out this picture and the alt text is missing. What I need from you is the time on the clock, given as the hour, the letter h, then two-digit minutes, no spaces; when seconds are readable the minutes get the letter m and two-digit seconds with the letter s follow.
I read 8h15m04s
